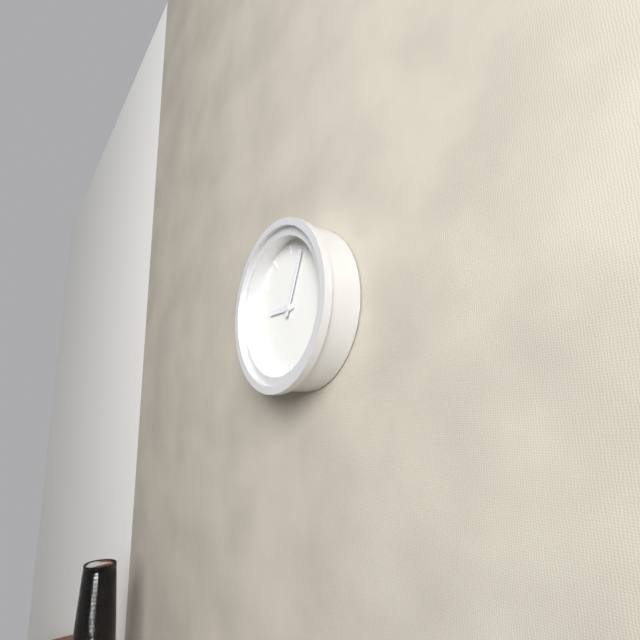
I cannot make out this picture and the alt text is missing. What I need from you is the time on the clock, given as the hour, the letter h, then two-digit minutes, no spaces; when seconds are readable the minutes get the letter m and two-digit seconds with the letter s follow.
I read 9h04
